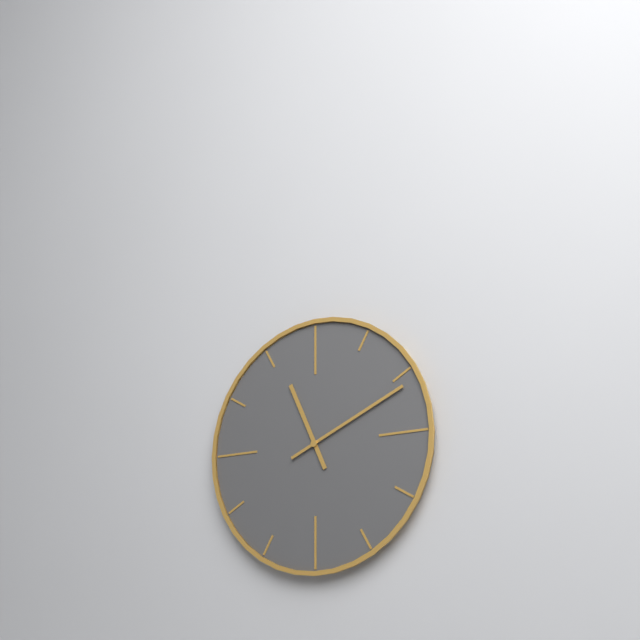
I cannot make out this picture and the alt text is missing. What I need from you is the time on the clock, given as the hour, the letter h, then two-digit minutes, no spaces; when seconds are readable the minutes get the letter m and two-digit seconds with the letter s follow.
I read 11h11
